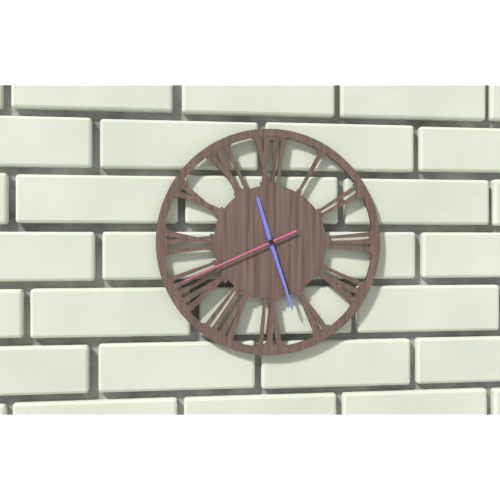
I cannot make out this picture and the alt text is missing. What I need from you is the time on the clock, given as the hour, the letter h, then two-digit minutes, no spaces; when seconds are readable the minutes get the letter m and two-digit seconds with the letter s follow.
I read 11h27m41s
